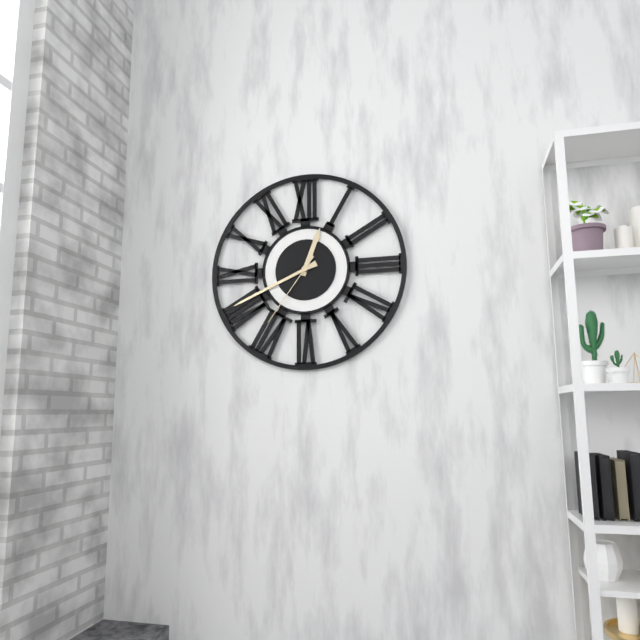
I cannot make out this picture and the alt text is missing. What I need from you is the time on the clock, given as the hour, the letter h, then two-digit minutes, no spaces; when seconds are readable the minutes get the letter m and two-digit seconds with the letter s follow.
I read 12h41m36s
